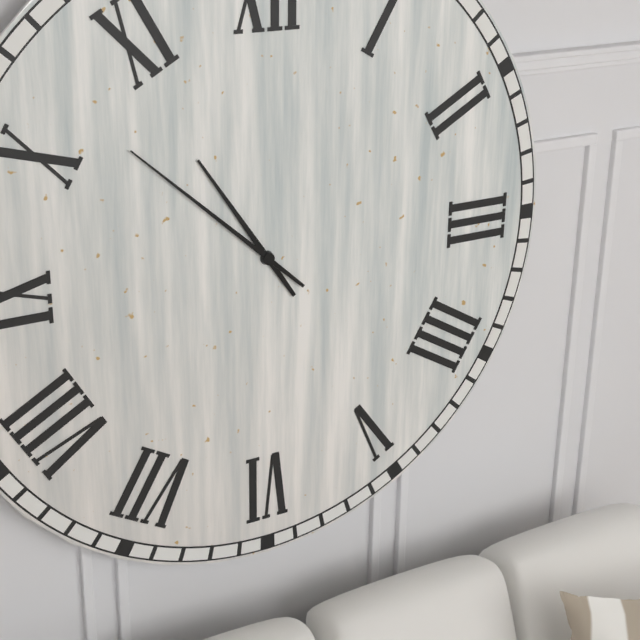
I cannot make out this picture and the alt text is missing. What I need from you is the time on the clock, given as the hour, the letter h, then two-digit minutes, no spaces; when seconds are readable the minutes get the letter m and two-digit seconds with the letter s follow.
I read 10h52
